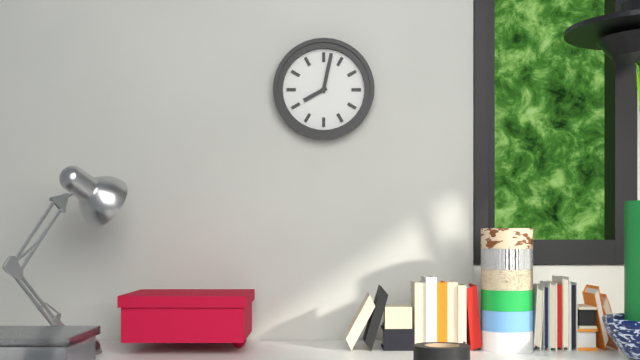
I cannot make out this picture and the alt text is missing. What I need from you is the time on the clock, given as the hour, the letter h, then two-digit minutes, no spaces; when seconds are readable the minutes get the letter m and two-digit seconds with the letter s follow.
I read 8h02
